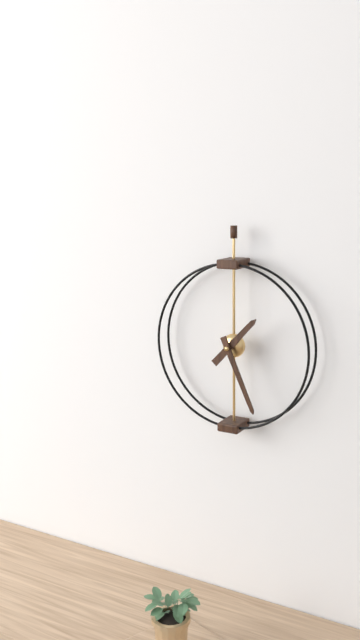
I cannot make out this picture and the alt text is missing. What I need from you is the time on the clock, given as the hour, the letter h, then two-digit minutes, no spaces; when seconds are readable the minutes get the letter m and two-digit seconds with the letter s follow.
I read 1h26
